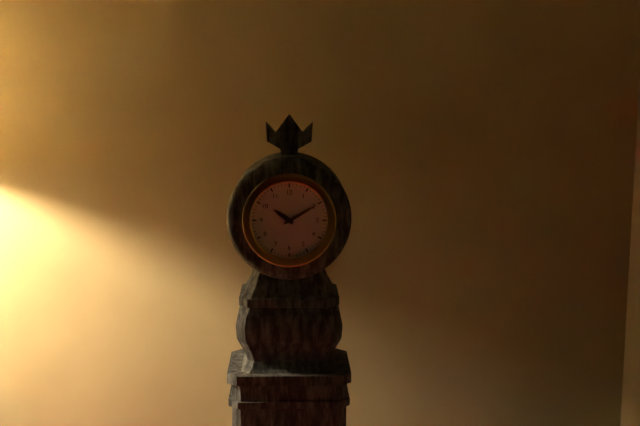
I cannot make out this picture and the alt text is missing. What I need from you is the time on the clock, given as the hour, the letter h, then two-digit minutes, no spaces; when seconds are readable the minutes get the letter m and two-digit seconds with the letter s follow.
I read 10h10
